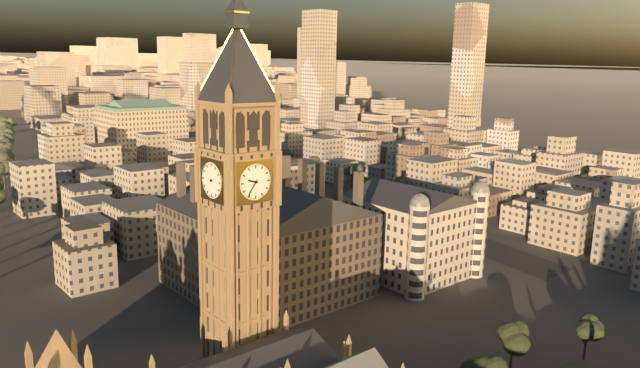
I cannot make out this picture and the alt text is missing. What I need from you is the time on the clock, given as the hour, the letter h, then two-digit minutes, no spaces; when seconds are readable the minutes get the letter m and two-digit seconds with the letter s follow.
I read 9h36
